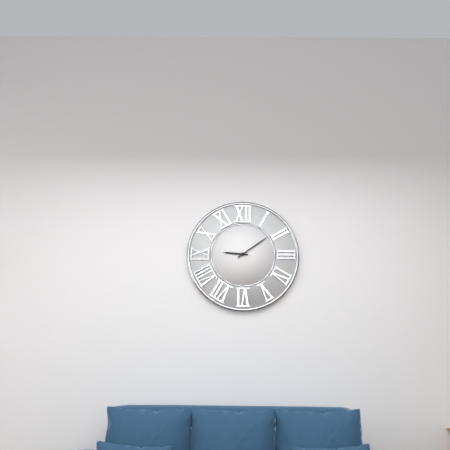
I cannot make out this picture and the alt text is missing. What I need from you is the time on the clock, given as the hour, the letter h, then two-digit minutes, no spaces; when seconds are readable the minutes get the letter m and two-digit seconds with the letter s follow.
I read 9h09
